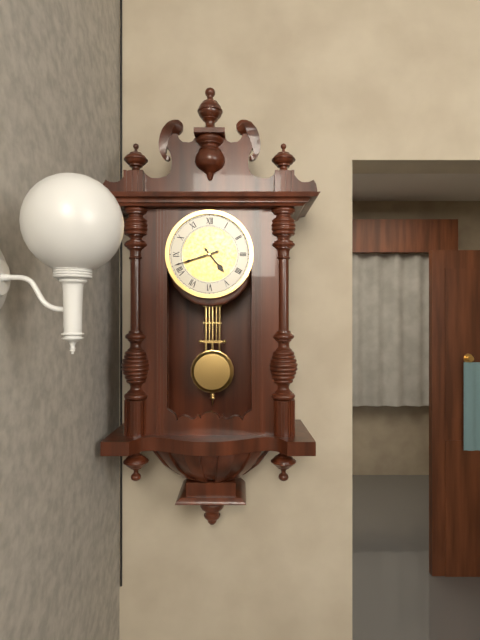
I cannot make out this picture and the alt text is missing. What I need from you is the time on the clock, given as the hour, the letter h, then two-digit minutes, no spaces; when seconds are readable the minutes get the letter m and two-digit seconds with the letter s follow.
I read 4h42
